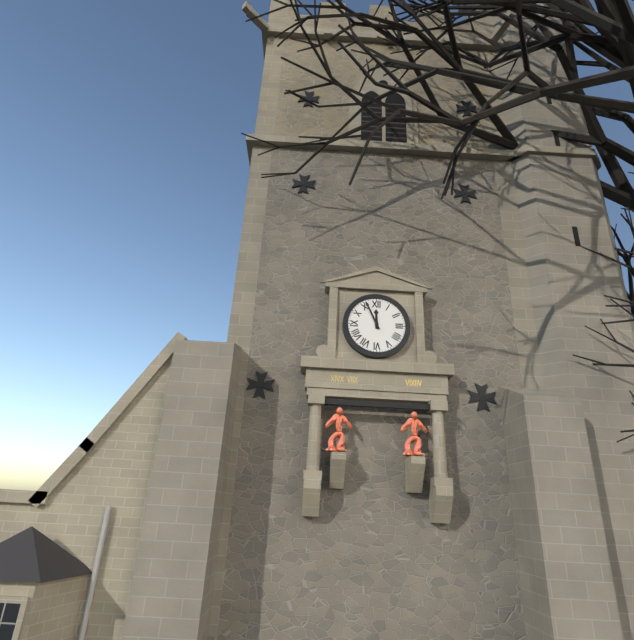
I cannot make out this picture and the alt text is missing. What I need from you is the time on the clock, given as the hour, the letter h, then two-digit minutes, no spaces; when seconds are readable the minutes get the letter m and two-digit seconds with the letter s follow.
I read 11h56
